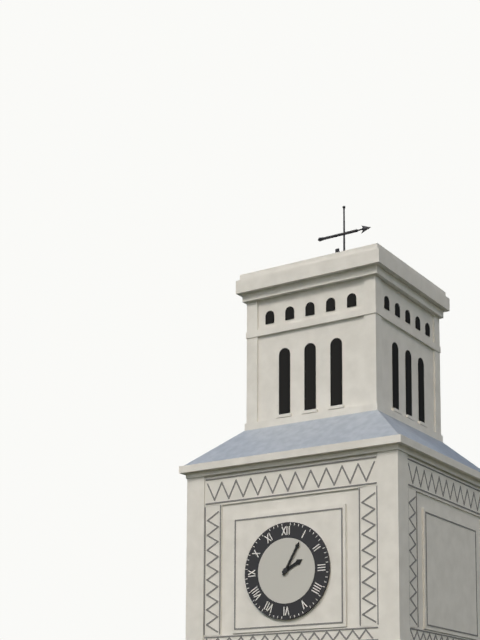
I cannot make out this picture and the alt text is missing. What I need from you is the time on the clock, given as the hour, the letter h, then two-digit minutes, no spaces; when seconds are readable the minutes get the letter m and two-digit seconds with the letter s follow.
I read 2h05
